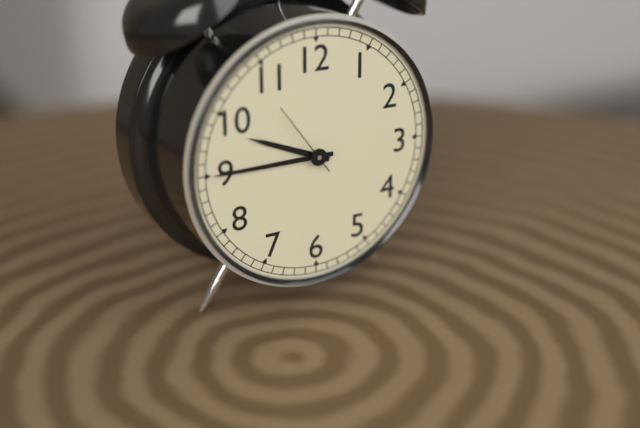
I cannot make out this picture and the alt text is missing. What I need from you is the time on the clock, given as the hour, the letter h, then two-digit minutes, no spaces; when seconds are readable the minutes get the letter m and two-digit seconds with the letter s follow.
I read 9h45m54s
